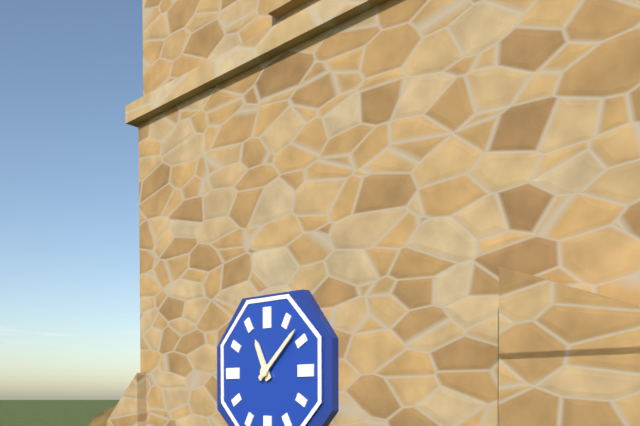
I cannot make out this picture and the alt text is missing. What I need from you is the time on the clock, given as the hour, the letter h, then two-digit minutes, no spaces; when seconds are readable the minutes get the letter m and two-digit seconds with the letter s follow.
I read 11h08
